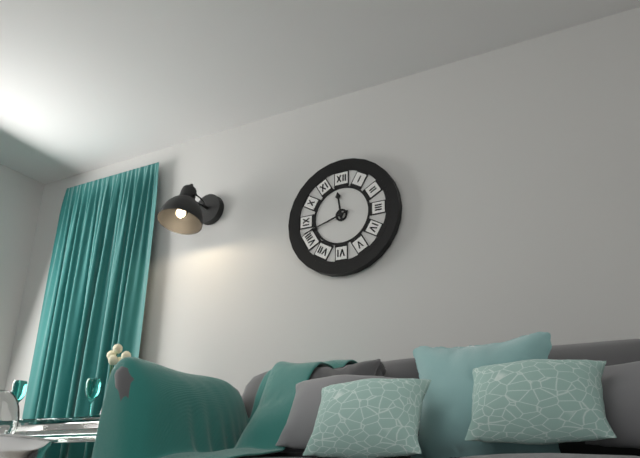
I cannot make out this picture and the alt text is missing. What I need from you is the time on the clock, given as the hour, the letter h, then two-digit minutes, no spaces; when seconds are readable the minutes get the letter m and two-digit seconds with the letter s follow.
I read 11h42
